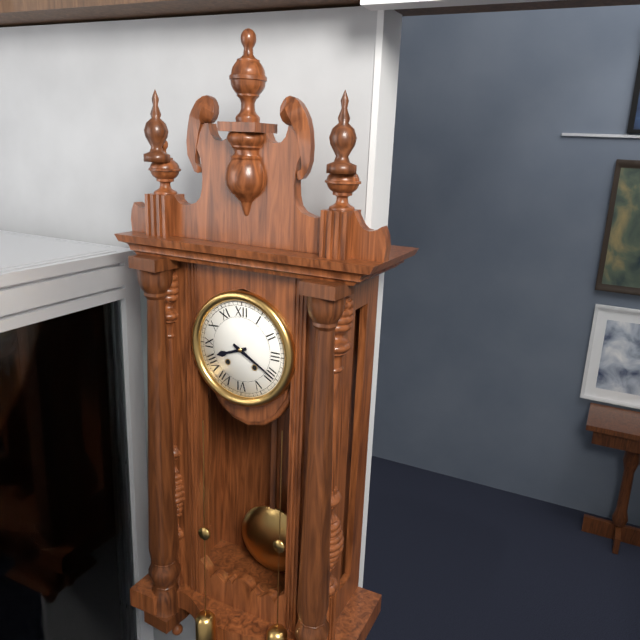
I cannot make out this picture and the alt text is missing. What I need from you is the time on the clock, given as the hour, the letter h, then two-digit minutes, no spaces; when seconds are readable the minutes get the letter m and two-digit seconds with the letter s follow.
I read 8h20
